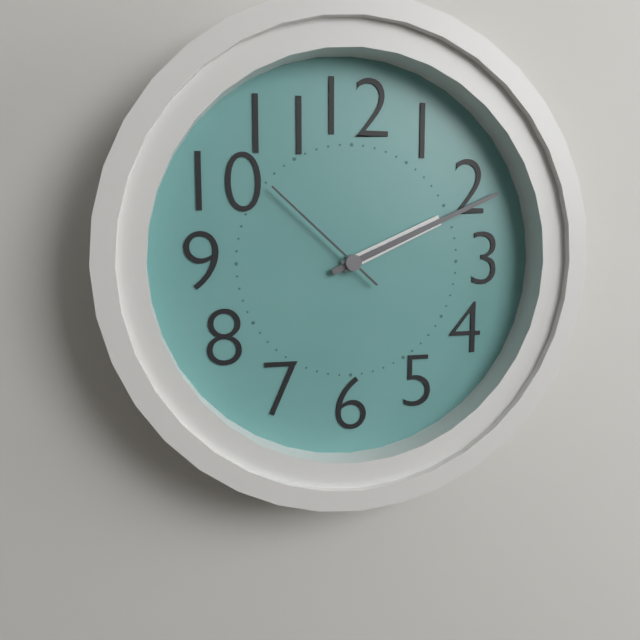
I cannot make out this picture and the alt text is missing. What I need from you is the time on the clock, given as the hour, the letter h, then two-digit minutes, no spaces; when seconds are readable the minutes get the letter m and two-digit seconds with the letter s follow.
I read 2h11m52s
